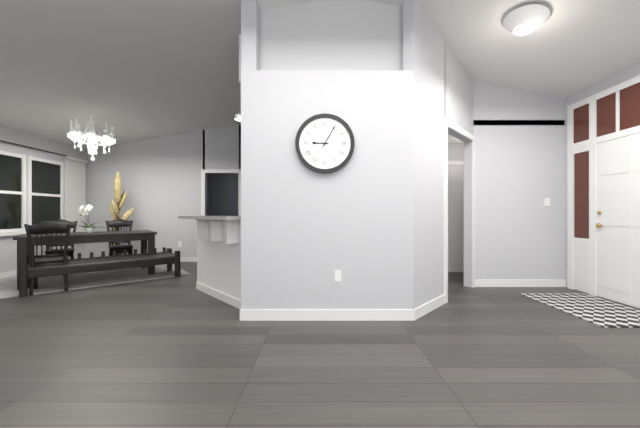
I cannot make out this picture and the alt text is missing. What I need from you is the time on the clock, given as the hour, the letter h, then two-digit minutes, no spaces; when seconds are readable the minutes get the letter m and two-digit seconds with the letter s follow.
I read 9h05
